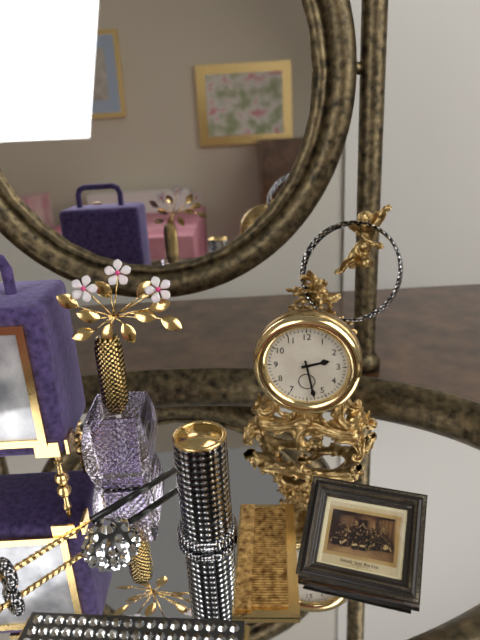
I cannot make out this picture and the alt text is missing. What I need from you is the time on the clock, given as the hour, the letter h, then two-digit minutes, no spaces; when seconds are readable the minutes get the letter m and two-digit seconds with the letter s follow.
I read 2h28
